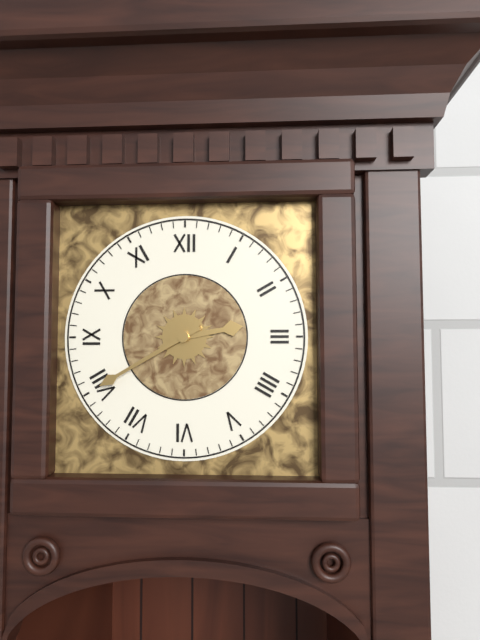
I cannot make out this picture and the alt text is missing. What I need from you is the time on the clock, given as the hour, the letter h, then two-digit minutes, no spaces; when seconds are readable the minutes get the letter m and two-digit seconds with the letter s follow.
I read 2h40
